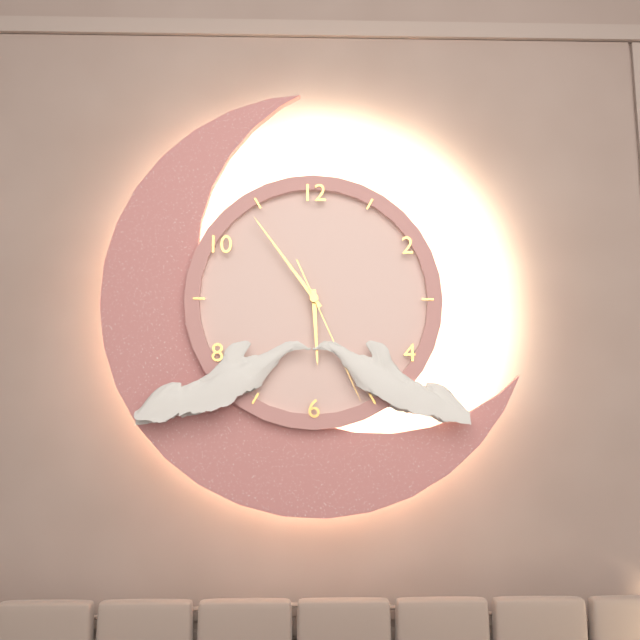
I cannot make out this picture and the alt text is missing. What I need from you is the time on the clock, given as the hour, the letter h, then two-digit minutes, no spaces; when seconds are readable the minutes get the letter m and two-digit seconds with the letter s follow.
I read 5h54m26s
